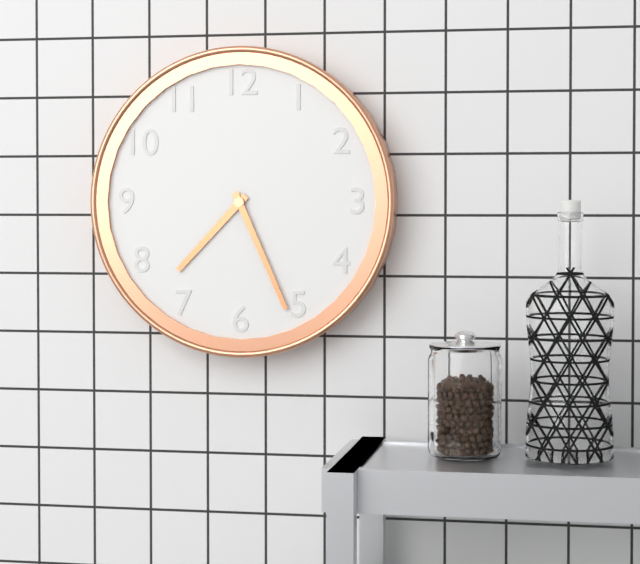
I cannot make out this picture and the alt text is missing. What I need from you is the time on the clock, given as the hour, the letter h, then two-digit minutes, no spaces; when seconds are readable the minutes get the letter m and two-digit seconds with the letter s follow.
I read 7h26
